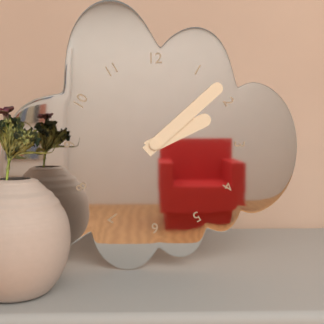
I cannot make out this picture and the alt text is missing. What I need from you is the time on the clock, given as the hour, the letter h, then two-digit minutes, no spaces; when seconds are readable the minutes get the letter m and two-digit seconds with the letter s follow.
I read 2h08
